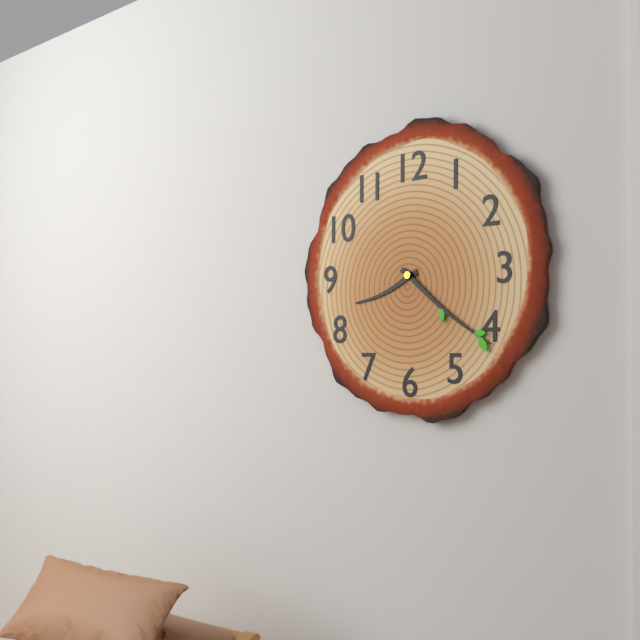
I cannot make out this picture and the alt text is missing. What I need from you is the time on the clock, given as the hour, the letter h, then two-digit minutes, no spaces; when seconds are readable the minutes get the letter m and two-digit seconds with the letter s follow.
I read 8h21
